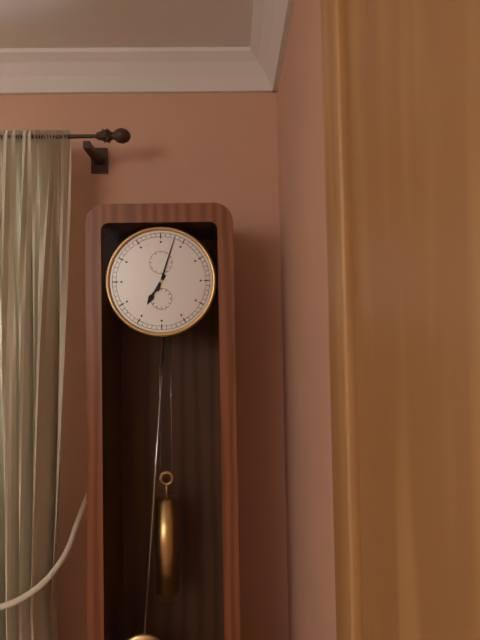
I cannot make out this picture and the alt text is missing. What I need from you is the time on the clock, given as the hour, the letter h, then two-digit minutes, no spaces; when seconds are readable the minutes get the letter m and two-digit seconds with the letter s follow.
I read 7h03
